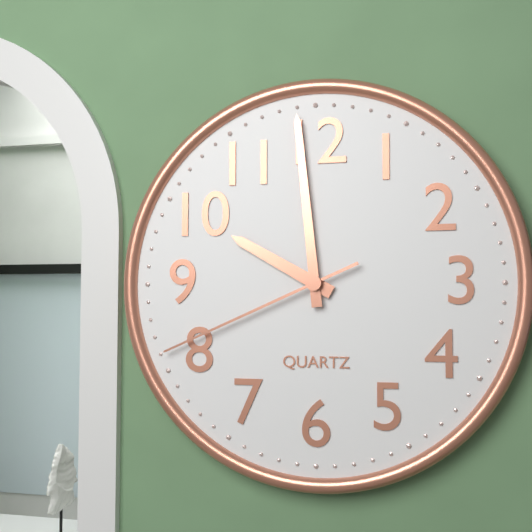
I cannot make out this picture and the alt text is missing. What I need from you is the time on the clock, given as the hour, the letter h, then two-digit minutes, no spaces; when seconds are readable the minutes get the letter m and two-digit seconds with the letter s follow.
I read 9h59m41s
